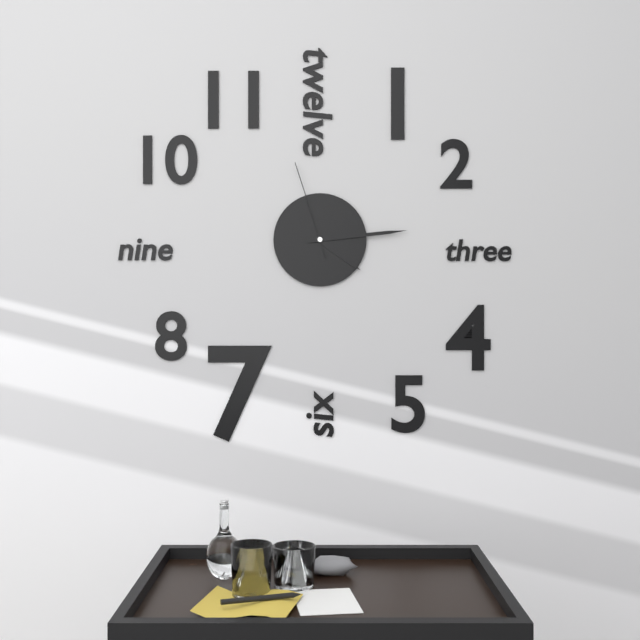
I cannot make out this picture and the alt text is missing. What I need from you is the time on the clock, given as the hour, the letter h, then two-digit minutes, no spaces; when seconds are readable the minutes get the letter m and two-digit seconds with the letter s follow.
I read 4h14m57s
